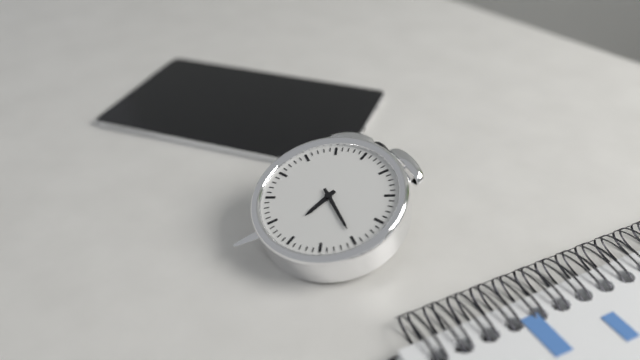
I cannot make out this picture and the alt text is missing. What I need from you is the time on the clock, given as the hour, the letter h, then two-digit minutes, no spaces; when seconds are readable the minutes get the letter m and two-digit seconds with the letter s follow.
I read 6h20
